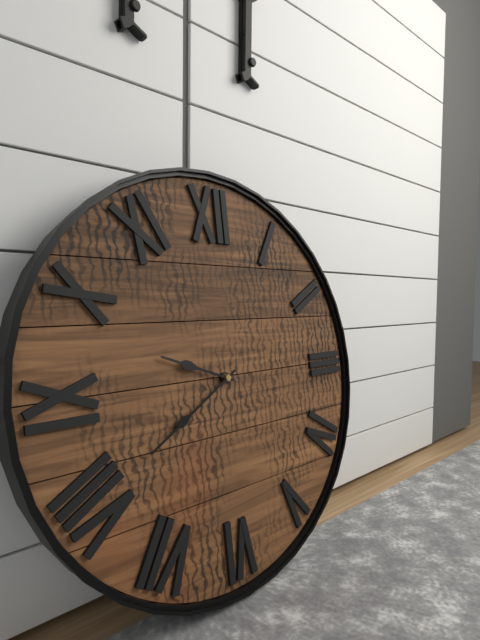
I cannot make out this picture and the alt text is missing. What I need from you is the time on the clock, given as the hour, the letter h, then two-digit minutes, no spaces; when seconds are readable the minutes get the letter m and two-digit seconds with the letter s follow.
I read 9h40
